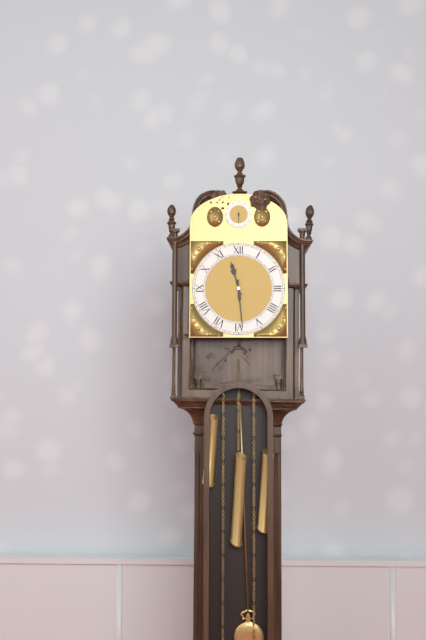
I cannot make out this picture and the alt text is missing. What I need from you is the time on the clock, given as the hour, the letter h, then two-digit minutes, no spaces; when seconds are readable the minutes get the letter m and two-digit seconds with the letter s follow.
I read 11h29
